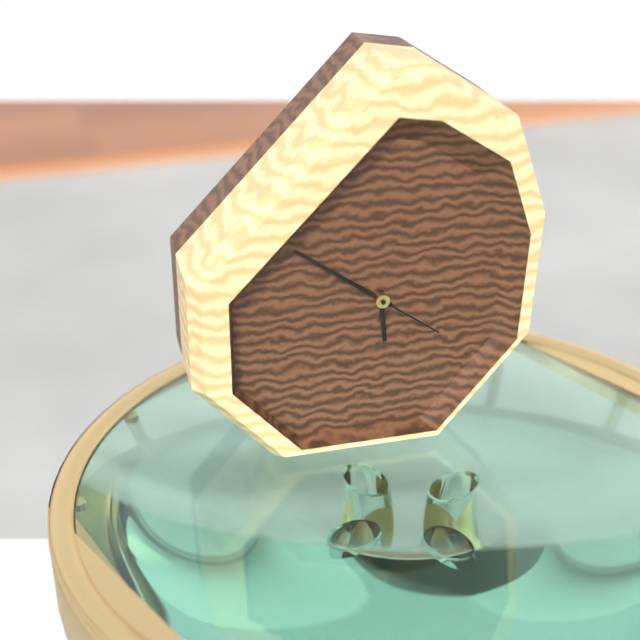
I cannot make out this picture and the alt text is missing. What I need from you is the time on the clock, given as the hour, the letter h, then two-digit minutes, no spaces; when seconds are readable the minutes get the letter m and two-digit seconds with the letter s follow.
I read 5h51m21s
